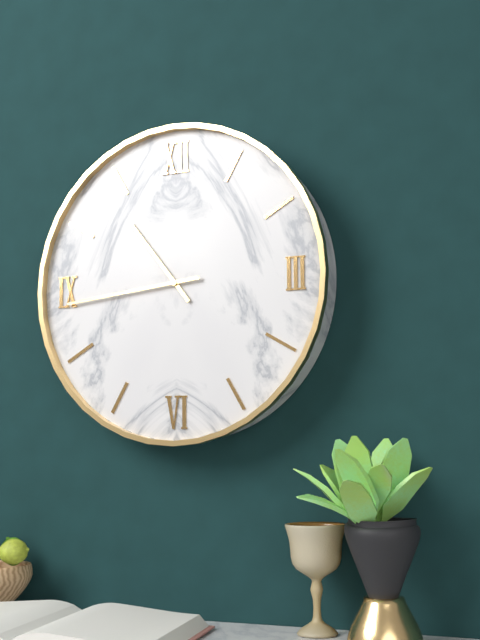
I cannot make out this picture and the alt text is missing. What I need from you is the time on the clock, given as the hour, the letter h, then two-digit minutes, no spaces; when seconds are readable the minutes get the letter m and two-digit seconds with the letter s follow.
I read 10h44
